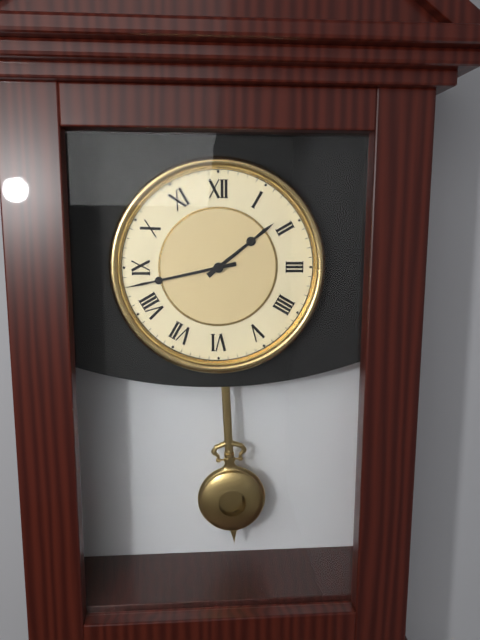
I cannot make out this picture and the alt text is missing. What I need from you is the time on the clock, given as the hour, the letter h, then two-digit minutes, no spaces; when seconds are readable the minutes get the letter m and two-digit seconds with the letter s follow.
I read 1h43
